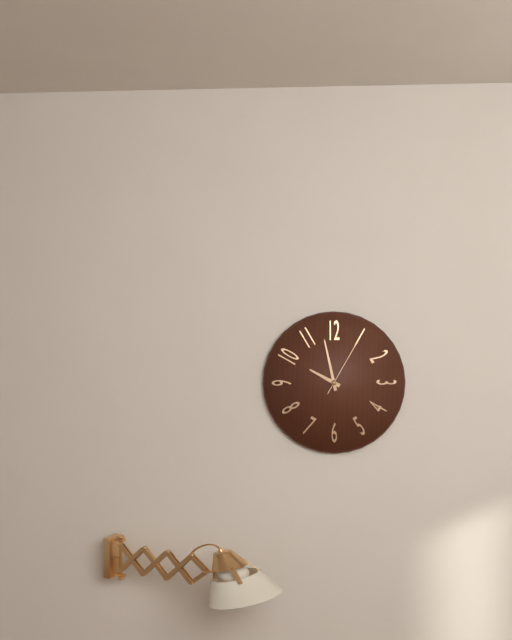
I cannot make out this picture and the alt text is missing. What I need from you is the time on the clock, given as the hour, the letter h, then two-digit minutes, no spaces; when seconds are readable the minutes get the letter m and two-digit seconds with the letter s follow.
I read 9h58m05s
